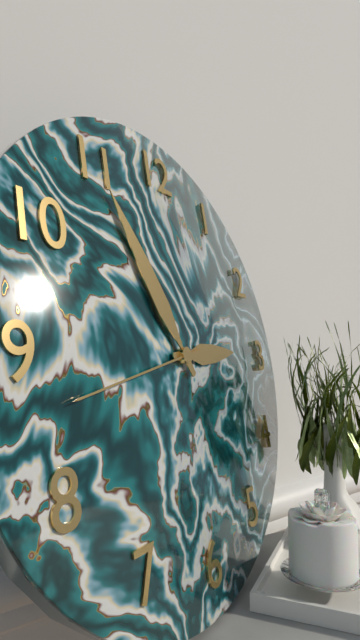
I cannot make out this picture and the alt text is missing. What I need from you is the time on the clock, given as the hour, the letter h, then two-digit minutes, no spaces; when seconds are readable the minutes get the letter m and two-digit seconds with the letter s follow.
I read 2h55m43s
